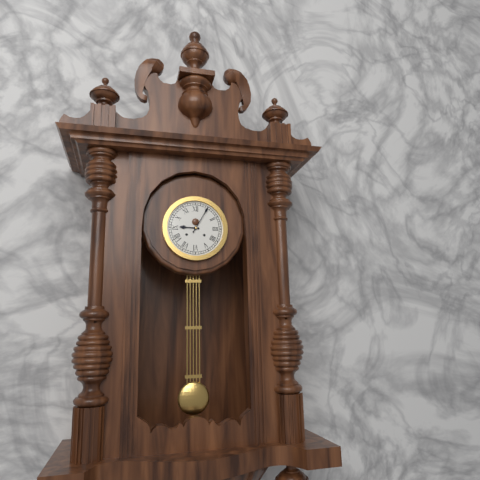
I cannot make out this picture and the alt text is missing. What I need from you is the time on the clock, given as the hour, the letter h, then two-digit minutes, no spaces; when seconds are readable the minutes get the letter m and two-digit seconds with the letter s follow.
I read 9h05
